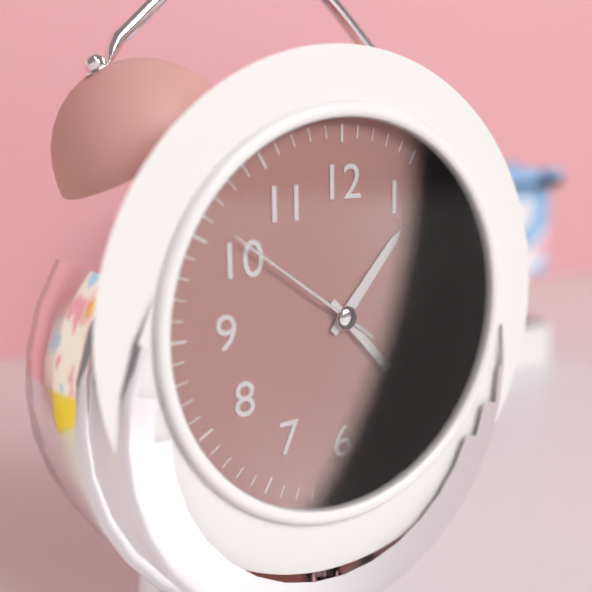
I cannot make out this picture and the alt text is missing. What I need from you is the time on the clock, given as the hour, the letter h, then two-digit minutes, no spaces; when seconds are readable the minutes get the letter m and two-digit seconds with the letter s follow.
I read 1h23m51s
